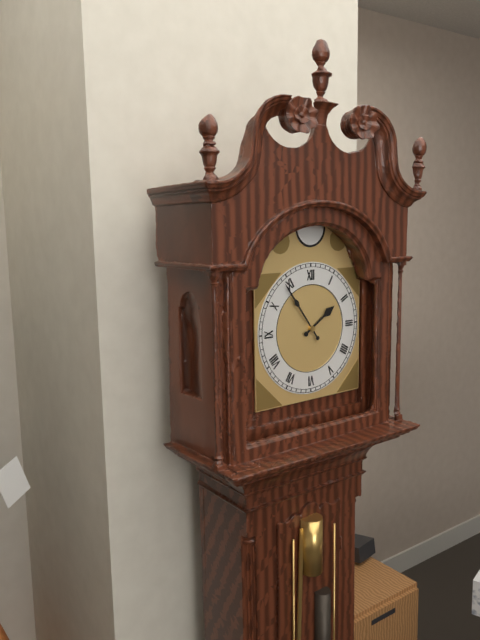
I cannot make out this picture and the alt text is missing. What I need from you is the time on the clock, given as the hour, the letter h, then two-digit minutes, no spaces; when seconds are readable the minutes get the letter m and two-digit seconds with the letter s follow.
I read 1h54
